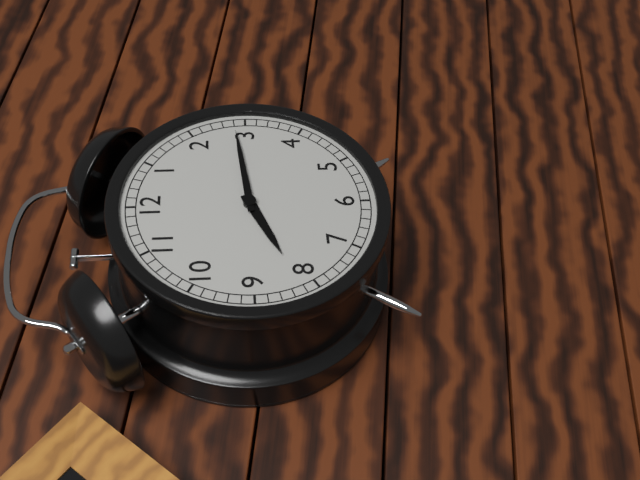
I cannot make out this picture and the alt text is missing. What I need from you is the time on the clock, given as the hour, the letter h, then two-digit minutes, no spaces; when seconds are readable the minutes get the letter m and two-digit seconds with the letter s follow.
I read 8h14
